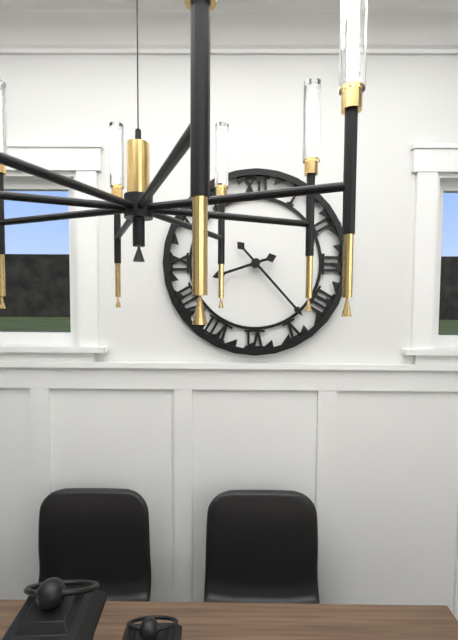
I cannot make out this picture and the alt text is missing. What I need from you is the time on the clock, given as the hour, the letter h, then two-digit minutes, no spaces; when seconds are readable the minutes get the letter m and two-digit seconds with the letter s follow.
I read 8h23
